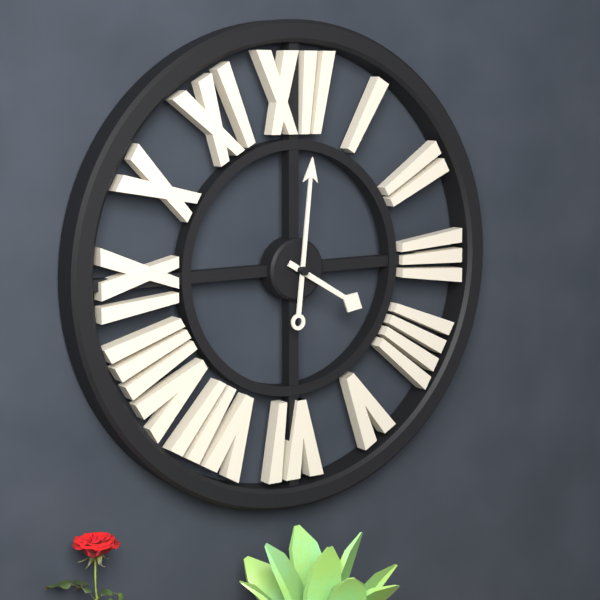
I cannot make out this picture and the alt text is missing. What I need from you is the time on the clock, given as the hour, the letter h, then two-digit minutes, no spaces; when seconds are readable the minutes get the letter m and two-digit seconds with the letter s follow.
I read 4h01
